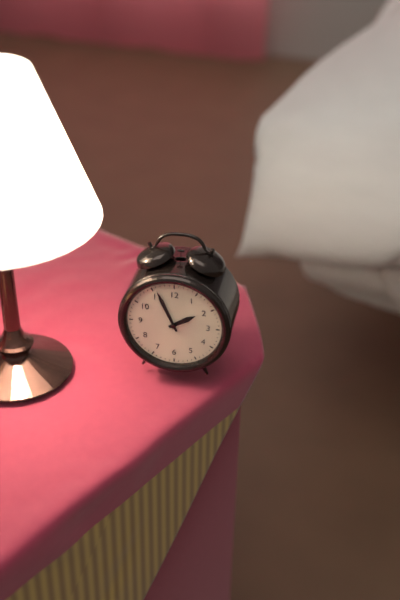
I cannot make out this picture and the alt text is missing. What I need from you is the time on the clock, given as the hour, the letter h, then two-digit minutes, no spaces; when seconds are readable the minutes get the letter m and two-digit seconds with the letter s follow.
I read 1h56
